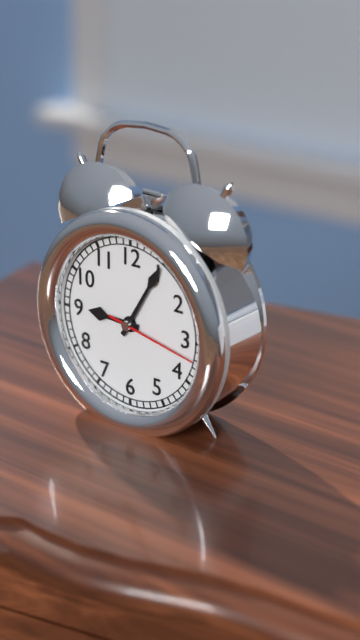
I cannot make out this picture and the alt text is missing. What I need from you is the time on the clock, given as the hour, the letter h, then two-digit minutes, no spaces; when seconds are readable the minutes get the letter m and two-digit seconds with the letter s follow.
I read 9h05m17s
